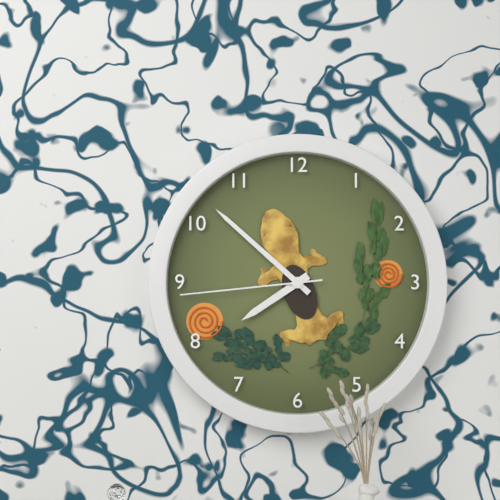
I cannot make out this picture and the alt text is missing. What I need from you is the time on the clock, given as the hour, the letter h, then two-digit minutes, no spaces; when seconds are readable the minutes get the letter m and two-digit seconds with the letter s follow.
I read 7h52m44s
